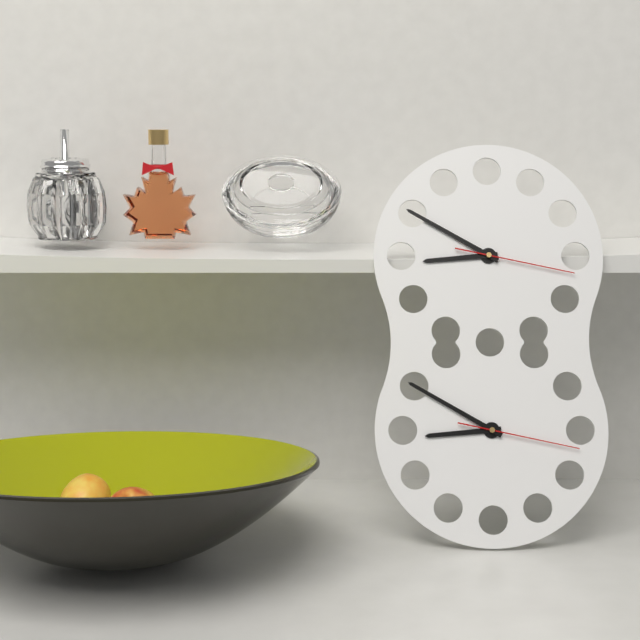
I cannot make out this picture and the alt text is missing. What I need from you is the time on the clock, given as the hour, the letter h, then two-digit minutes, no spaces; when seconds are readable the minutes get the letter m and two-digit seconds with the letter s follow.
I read 8h50m17s
